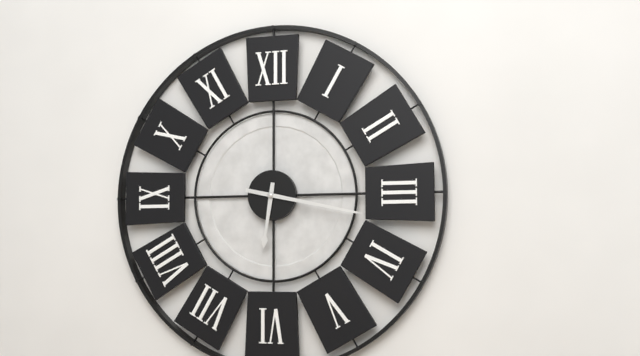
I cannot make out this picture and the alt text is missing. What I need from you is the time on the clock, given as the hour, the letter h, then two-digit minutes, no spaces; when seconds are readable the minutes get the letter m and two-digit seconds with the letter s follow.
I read 6h17
